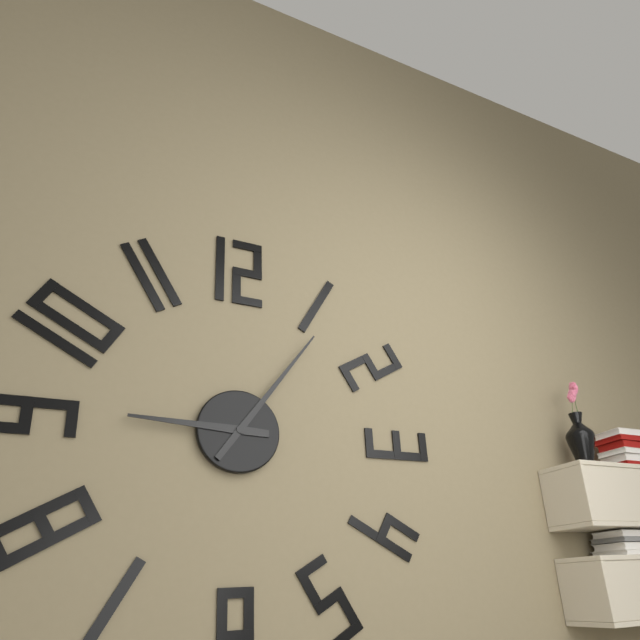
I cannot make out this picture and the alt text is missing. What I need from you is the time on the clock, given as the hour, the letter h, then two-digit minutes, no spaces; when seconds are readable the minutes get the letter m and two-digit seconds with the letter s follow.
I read 9h06
